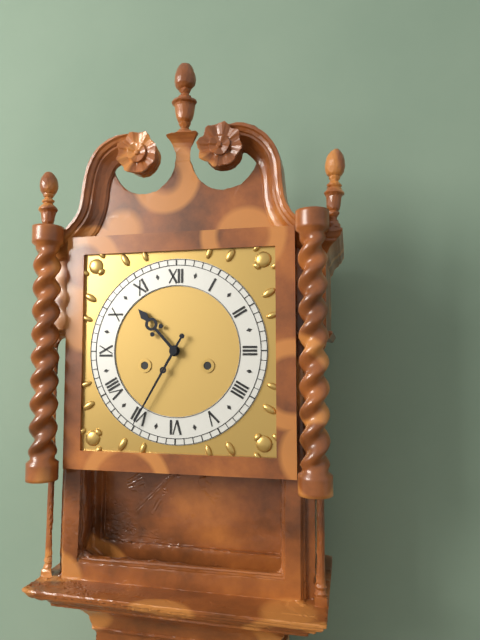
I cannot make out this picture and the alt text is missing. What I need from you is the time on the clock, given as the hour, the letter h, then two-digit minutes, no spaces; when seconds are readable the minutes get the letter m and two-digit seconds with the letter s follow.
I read 10h35
